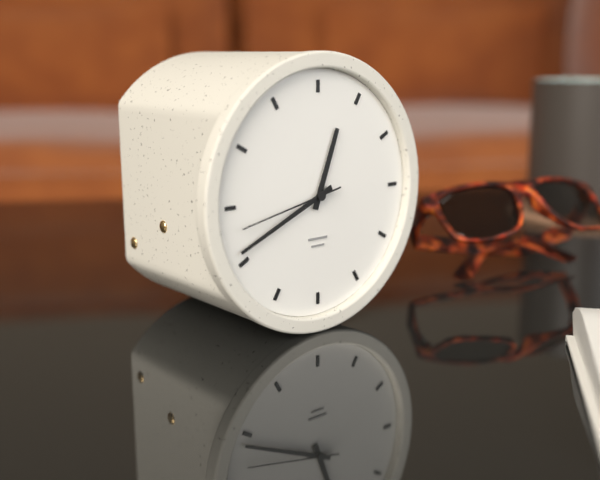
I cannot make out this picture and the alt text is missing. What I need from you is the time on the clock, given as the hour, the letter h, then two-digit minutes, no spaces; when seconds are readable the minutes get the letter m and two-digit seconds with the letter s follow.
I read 12h41m43s
